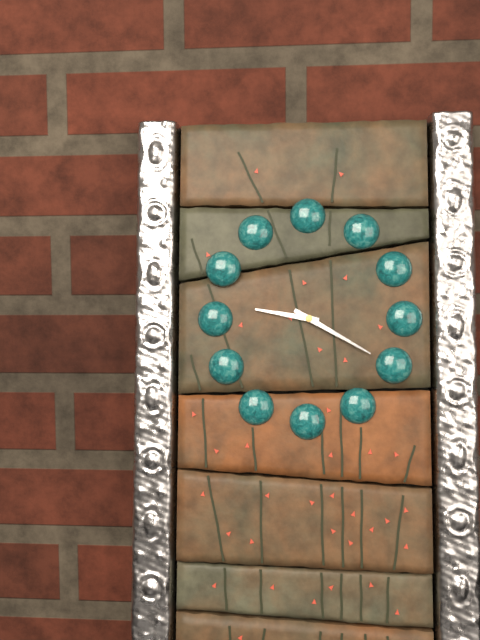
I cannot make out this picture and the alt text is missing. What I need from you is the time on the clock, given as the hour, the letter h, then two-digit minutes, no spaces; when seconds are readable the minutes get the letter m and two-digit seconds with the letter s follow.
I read 9h20
